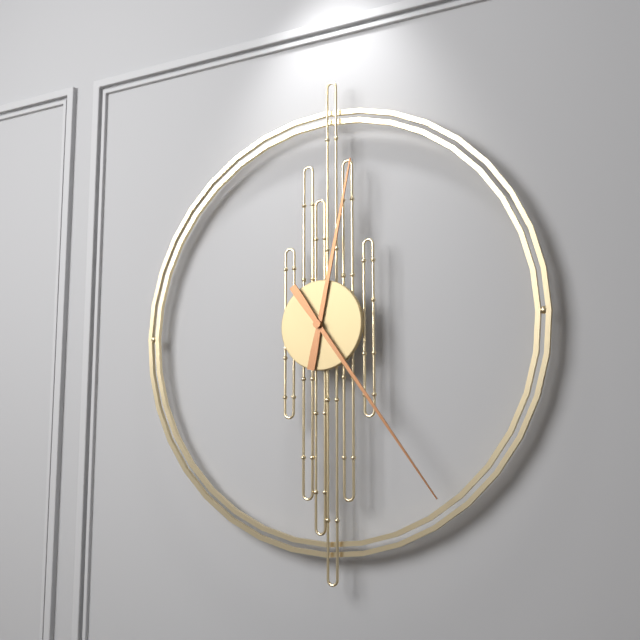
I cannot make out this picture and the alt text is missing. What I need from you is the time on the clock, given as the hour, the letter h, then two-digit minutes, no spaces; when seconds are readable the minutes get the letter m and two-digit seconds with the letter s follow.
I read 12h24
